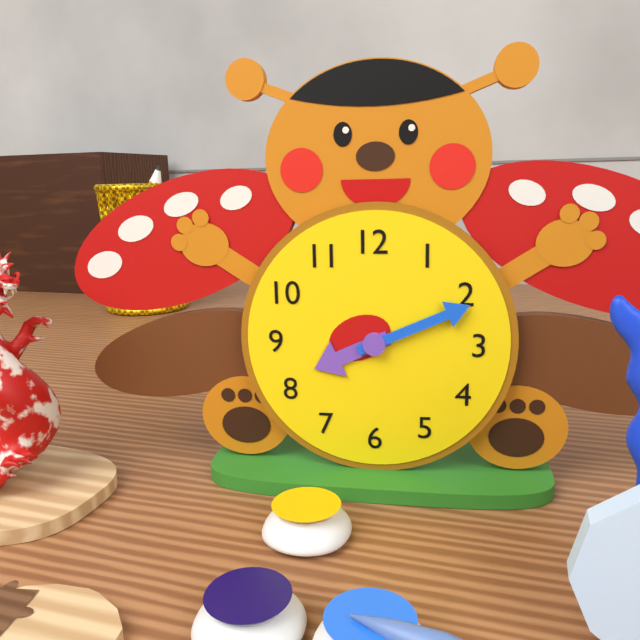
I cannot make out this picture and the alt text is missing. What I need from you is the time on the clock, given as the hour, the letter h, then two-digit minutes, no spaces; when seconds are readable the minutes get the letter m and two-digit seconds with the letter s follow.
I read 8h11
